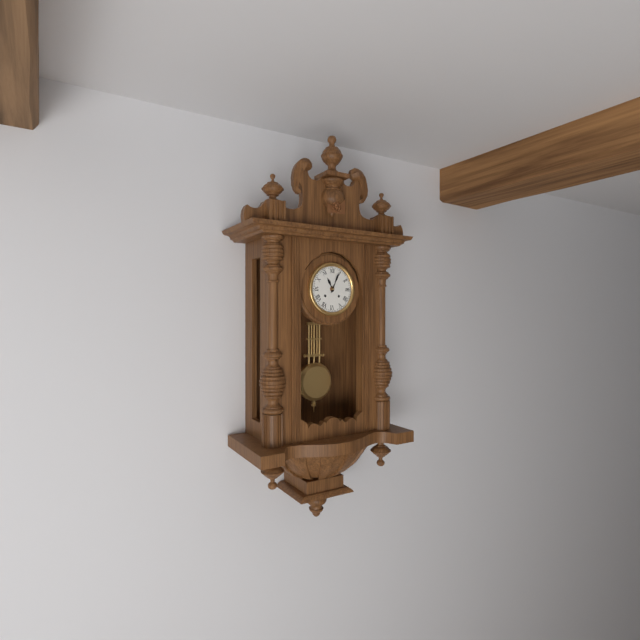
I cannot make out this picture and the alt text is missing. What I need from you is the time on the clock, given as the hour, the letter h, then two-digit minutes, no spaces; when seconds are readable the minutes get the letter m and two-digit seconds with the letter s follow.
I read 11h04
